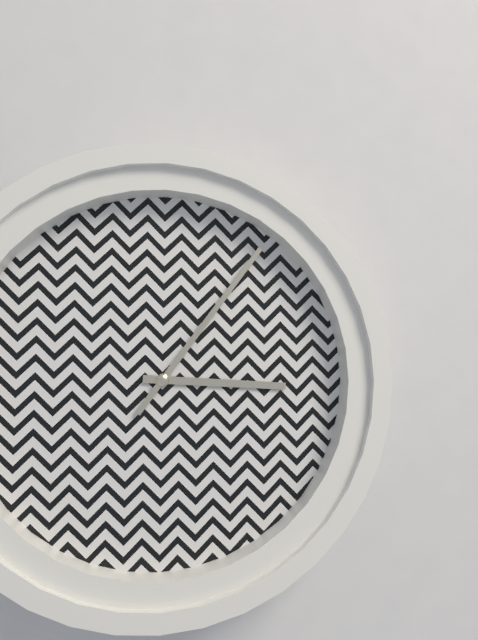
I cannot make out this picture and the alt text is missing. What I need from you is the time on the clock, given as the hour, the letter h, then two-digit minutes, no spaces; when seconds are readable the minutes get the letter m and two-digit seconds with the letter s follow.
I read 3h06
